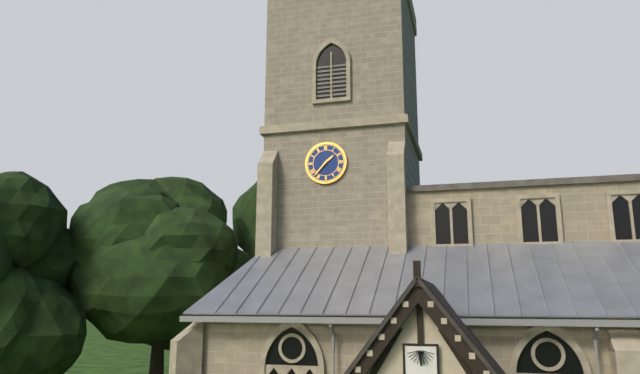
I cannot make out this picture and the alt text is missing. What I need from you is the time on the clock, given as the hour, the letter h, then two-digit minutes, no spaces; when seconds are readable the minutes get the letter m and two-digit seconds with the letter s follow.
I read 1h37
